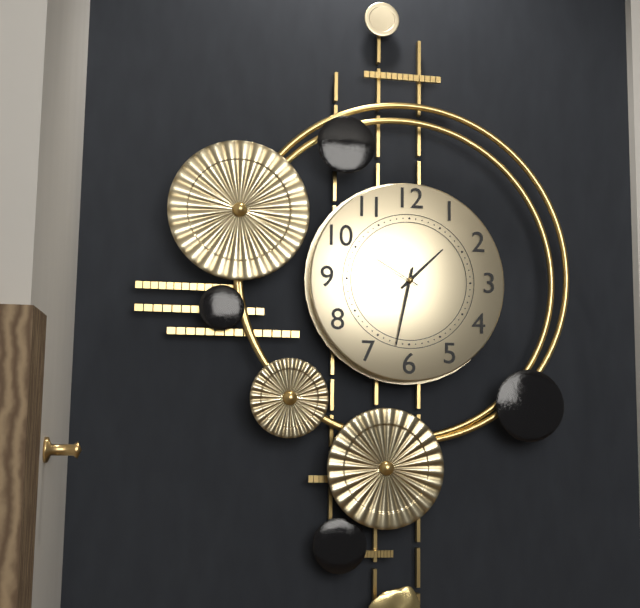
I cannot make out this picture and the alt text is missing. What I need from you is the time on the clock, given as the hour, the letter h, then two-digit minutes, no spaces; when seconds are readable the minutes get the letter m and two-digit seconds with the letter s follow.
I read 1h32
